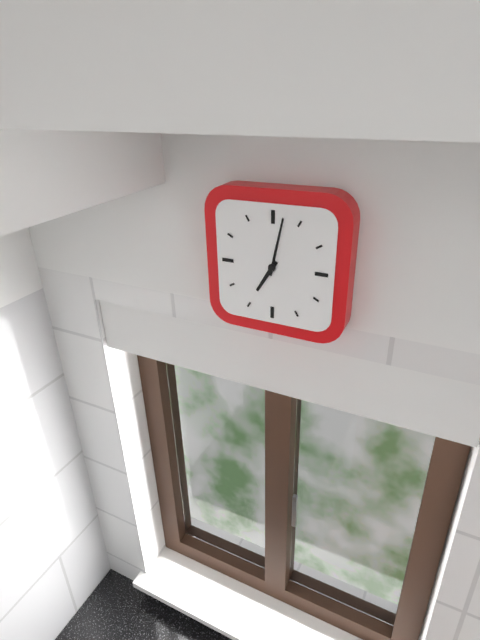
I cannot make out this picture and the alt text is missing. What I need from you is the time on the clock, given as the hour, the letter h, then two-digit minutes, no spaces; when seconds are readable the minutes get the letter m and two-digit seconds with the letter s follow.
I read 7h02
